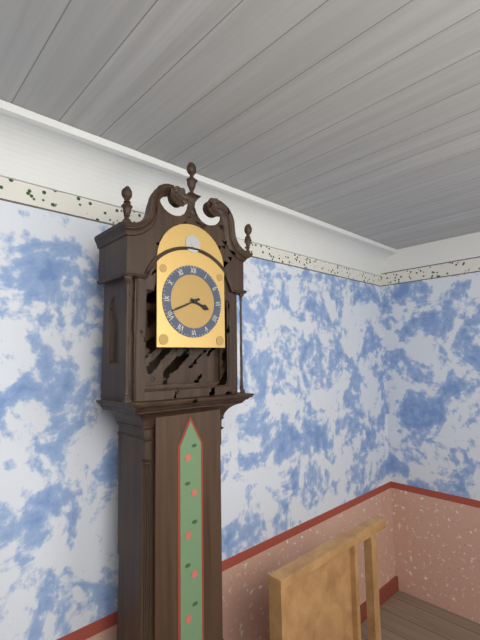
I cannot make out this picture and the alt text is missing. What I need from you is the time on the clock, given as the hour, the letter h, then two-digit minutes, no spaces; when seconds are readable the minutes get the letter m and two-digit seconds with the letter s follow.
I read 3h41
